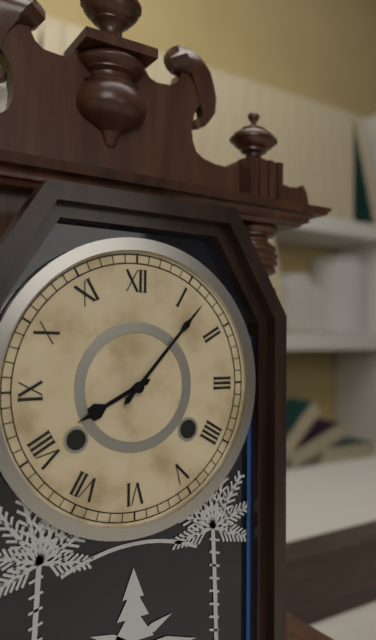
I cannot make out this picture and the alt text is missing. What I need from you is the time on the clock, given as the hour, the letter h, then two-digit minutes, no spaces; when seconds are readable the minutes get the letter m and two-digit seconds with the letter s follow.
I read 8h07
